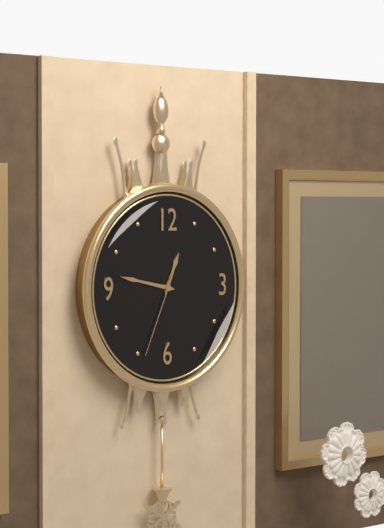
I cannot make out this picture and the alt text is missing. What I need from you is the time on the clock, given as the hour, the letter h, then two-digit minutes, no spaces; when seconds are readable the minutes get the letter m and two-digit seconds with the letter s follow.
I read 12h47m34s
